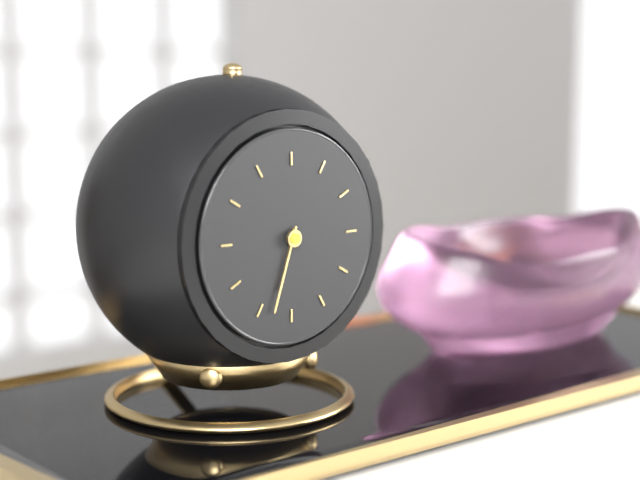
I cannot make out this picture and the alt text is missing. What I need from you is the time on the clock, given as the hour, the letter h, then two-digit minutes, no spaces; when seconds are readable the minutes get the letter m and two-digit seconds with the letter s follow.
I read 6h33
